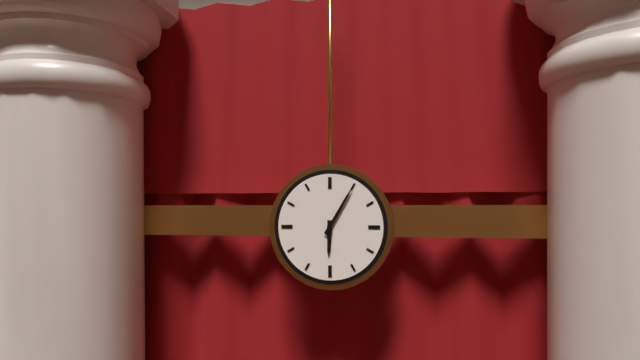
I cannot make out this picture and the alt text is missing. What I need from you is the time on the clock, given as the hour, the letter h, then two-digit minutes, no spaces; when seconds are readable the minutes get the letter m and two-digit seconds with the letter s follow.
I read 6h05
